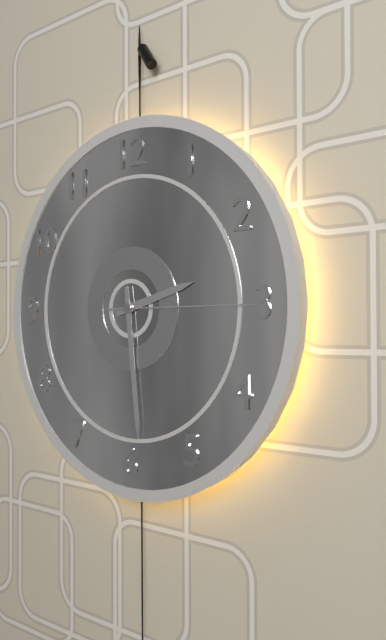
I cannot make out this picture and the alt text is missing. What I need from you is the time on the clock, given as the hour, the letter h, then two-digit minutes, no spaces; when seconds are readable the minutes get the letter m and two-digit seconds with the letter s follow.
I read 2h29m15s
